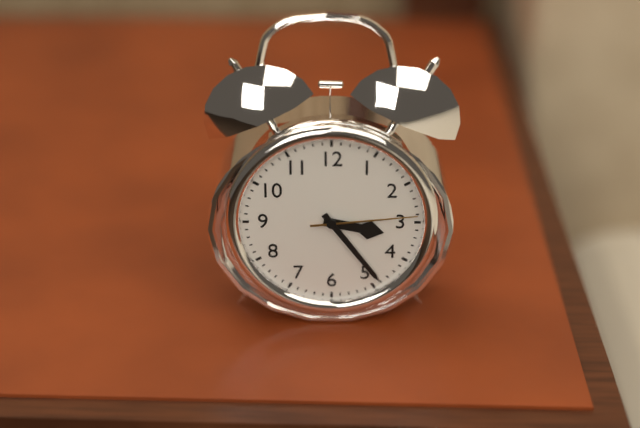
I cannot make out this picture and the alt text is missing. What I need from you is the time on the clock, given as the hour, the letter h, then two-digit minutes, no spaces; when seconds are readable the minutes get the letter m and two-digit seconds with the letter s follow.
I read 3h24m14s
